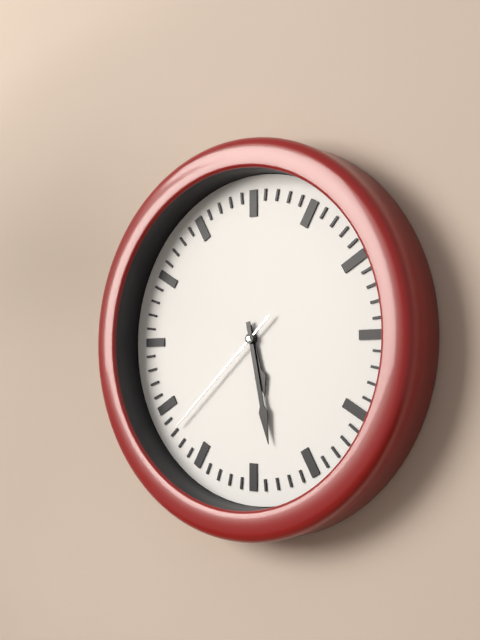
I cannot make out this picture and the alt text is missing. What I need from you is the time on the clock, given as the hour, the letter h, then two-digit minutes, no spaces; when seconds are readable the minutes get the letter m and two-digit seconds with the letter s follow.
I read 5h28m38s
